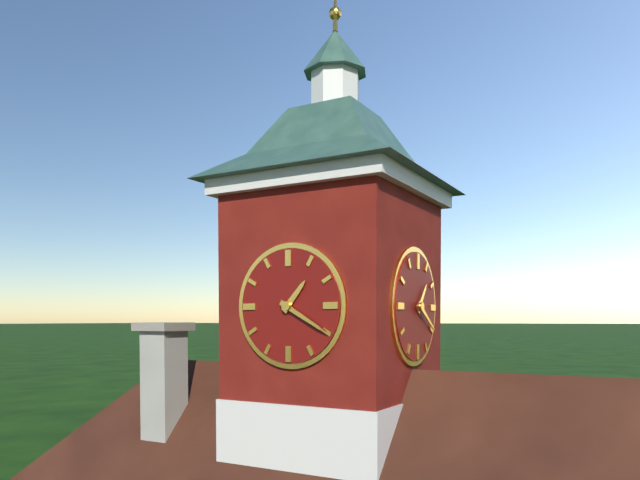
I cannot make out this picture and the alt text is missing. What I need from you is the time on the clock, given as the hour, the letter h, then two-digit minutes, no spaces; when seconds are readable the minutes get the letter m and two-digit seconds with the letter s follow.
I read 1h20
